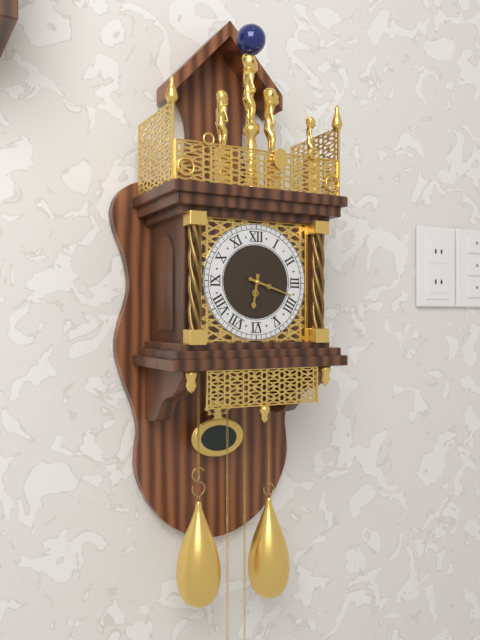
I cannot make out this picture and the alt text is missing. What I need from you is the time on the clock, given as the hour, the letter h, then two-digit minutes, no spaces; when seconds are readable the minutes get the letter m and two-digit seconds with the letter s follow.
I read 6h18
